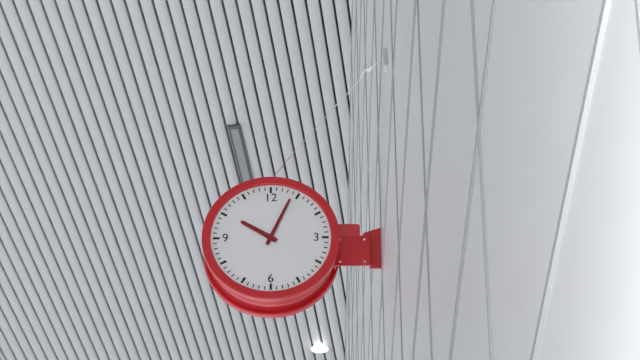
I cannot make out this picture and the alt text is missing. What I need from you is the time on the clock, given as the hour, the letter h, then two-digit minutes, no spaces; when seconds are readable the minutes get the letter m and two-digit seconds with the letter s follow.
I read 10h04
